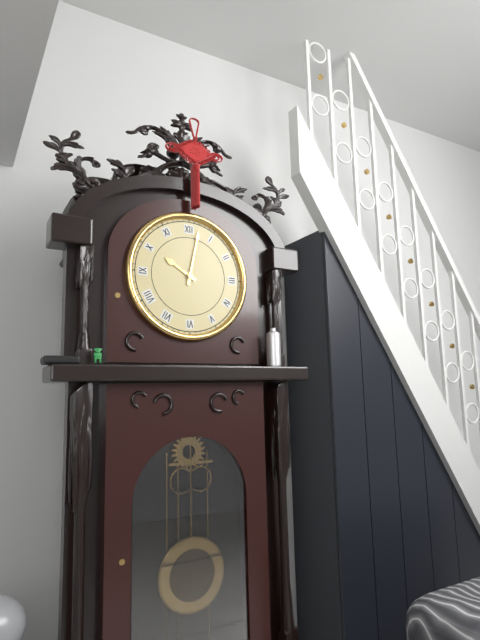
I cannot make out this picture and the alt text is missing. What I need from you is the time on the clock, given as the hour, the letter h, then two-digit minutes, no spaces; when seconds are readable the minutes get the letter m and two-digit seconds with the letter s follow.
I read 10h02
